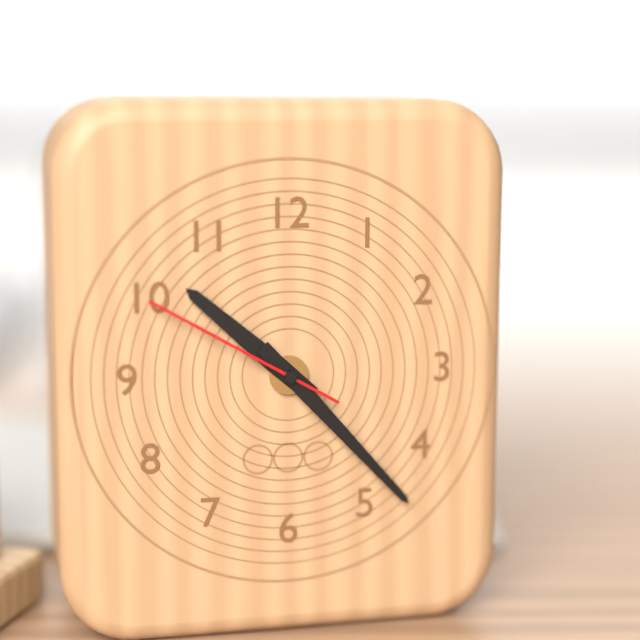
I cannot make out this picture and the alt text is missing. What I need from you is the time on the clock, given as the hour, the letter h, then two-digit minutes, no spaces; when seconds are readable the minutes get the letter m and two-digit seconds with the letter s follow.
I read 10h23m50s
